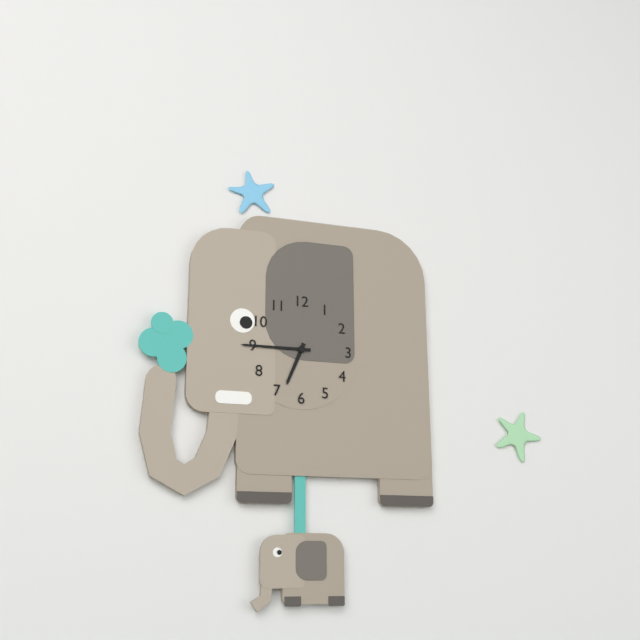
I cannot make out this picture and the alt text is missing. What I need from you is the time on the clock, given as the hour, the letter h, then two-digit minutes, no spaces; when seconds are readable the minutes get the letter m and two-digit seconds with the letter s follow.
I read 6h45
